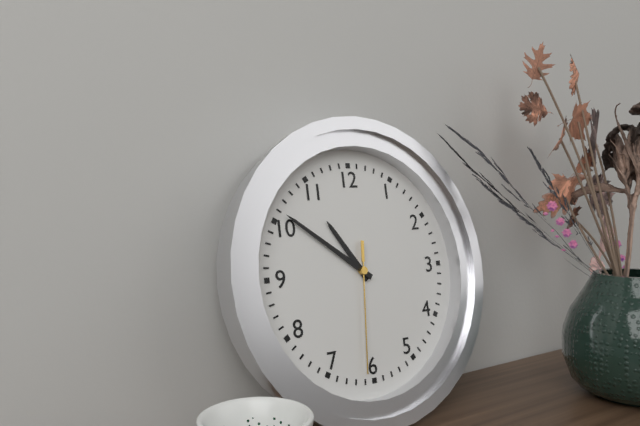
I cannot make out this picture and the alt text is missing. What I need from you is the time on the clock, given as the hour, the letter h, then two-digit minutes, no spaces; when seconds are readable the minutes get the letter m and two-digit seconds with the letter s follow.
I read 10h51m31s
